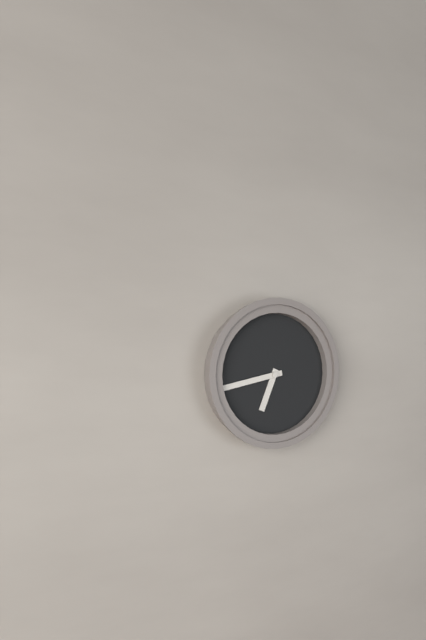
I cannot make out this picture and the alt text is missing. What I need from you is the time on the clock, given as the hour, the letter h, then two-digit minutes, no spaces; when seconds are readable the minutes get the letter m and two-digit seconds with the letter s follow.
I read 6h43
